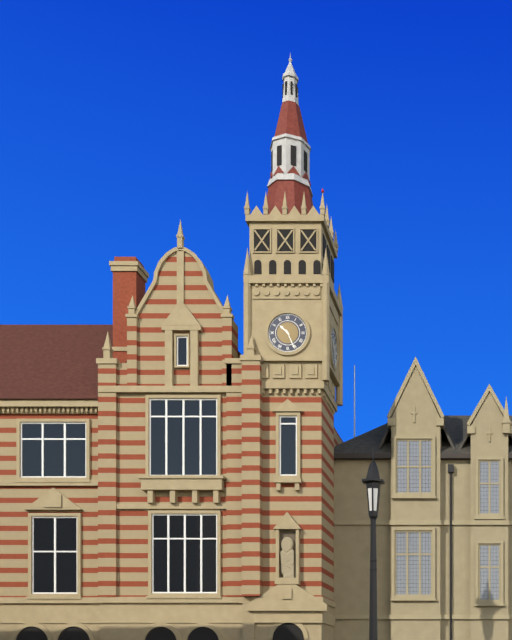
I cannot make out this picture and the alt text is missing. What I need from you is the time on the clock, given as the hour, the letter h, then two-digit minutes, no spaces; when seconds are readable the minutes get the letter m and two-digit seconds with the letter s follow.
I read 10h26
